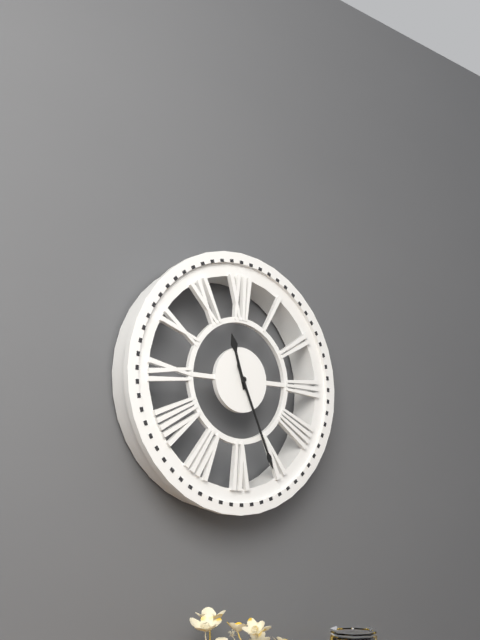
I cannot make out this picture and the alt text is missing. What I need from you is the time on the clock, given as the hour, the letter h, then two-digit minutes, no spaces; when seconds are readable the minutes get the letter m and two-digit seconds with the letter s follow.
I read 11h26
